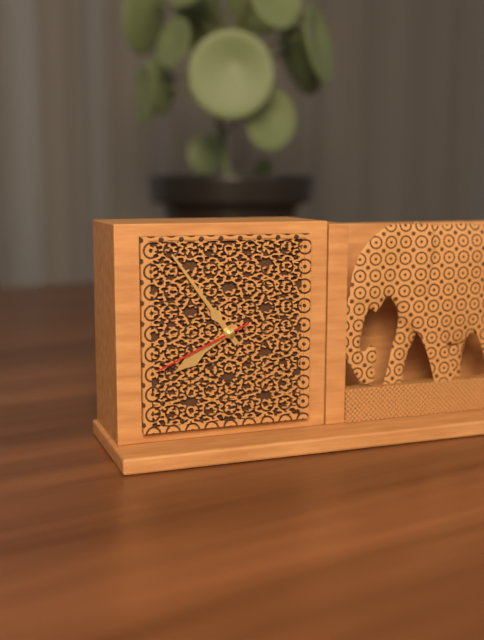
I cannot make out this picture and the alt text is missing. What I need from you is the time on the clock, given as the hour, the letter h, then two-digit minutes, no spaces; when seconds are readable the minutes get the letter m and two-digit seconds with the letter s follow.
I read 7h54m41s
